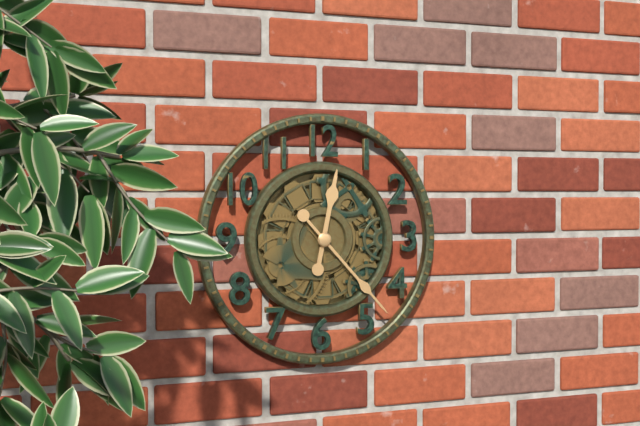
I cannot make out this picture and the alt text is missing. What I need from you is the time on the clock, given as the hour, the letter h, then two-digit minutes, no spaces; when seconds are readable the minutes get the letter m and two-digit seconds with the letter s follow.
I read 12h23
